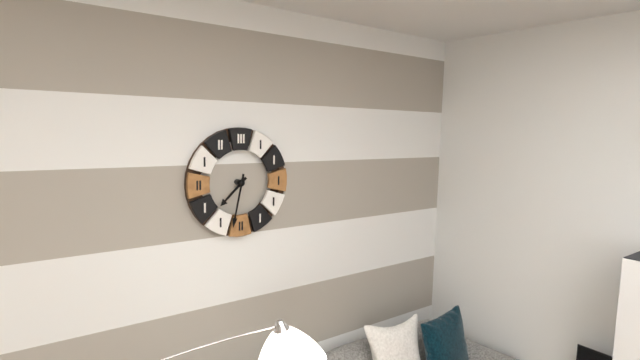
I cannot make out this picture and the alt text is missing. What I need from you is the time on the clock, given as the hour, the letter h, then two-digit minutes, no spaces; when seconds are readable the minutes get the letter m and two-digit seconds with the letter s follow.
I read 7h32
